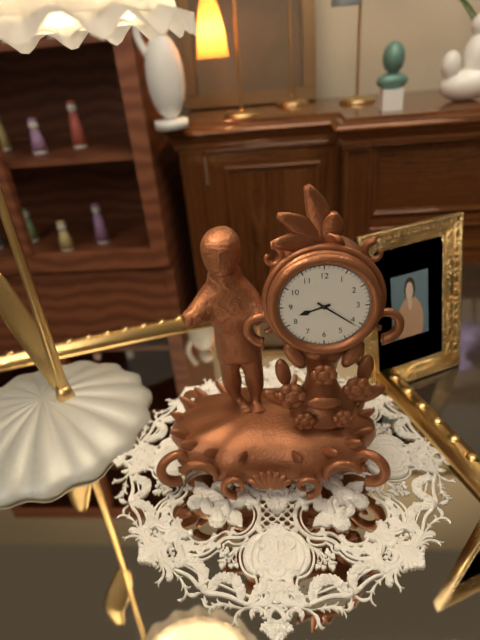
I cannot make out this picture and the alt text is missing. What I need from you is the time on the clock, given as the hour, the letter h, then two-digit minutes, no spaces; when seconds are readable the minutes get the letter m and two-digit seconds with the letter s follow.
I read 8h21
